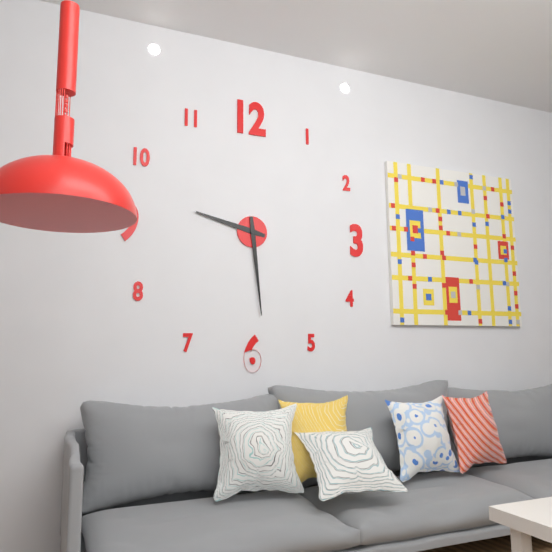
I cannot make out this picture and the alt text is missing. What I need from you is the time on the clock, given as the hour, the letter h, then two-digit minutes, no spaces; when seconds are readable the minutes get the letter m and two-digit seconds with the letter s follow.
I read 9h29
